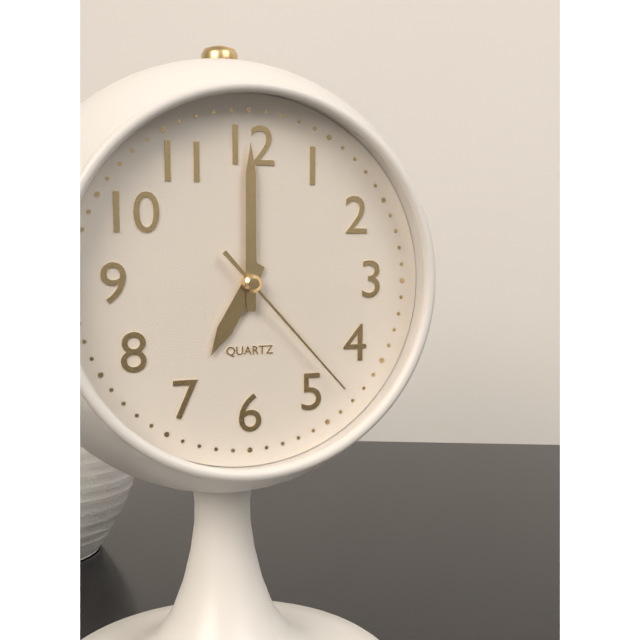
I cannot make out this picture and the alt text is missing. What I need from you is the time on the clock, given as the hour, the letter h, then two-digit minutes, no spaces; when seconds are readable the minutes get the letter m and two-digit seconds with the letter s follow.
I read 7h00m23s
